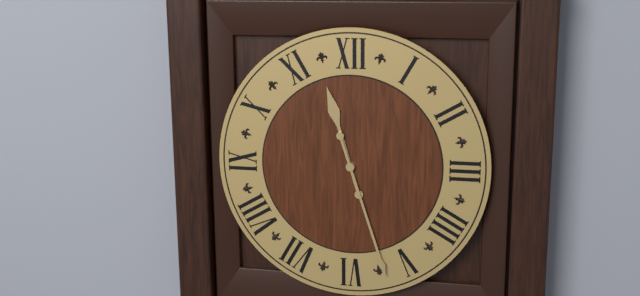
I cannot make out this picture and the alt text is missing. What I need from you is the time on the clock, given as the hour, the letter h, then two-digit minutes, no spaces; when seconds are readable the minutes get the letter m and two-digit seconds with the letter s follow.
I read 11h27
